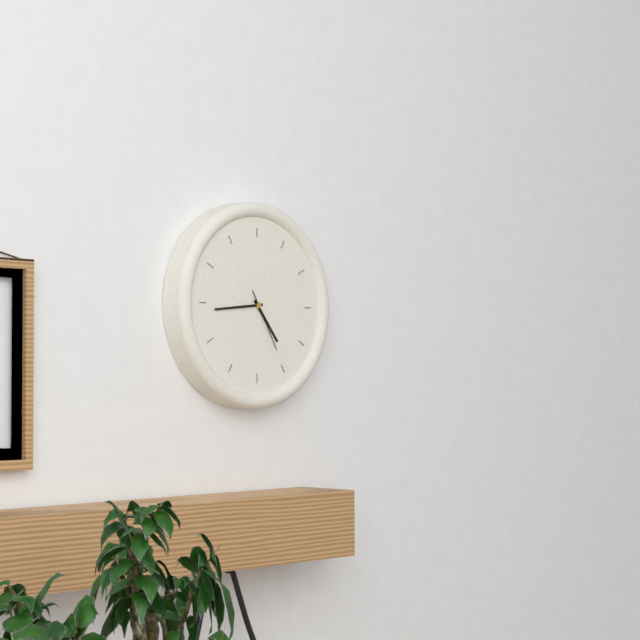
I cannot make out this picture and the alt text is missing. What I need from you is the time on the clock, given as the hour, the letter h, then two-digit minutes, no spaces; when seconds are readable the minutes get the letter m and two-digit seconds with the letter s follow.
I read 4h44m25s
